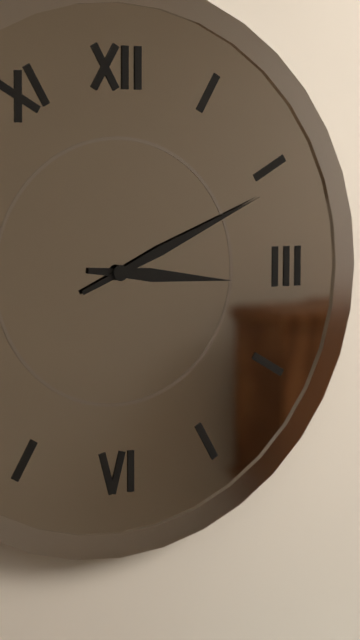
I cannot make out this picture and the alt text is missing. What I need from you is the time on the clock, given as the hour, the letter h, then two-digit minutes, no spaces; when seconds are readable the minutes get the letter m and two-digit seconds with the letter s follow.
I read 3h11
